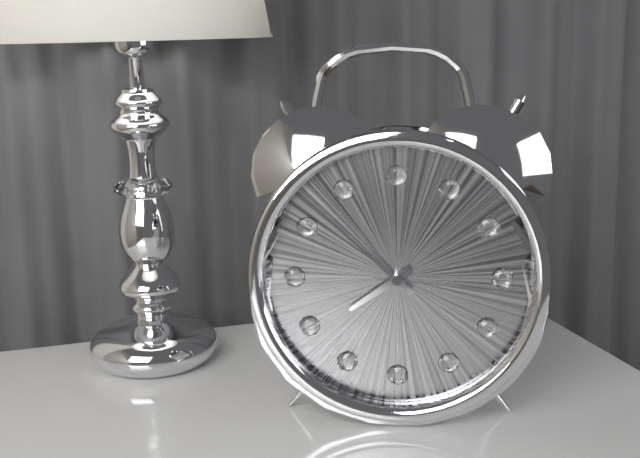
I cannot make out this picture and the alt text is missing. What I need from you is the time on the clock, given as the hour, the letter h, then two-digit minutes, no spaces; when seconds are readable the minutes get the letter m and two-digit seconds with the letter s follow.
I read 7h52m16s
